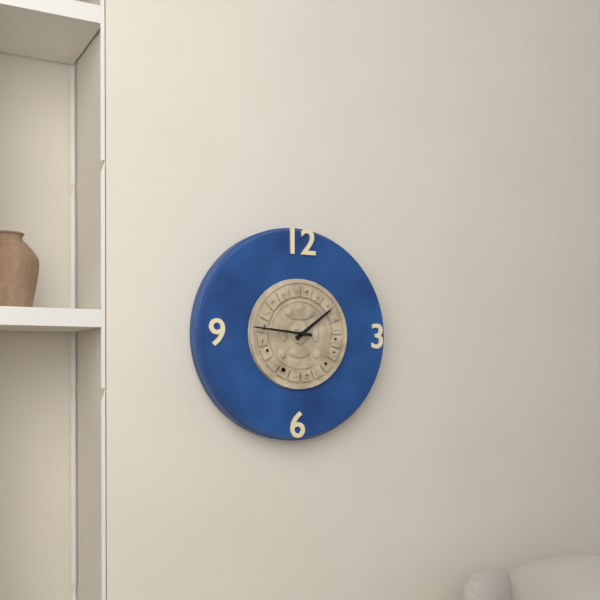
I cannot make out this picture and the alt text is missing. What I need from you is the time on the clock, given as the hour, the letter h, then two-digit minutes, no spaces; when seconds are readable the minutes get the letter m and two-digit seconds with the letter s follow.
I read 1h46
